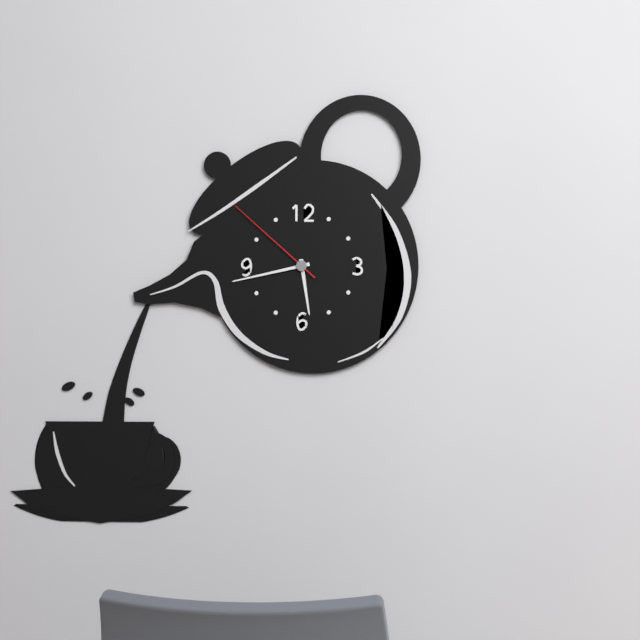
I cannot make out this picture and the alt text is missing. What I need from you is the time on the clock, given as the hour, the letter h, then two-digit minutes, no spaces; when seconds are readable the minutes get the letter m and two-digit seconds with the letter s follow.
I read 5h43m52s
